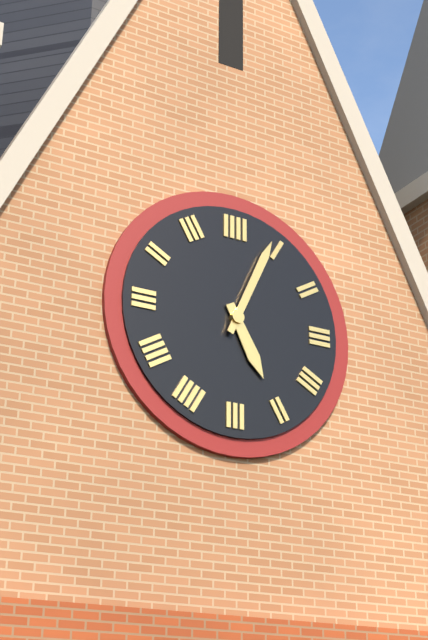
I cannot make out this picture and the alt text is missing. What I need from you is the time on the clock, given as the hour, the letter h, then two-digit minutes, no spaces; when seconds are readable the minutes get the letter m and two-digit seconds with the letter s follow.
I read 5h04
